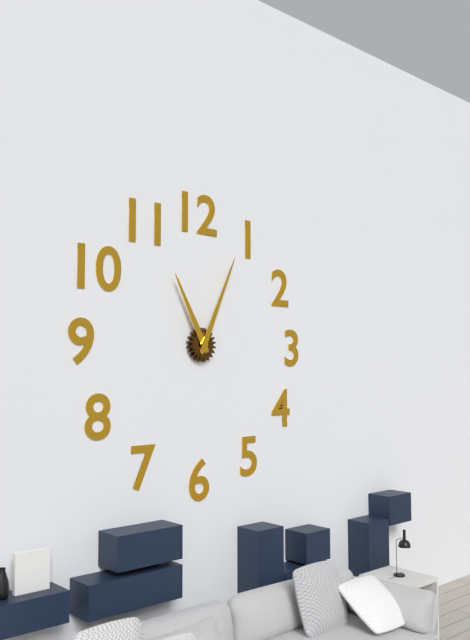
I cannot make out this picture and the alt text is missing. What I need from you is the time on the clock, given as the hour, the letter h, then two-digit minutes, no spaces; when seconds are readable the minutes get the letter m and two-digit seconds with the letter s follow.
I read 11h04
